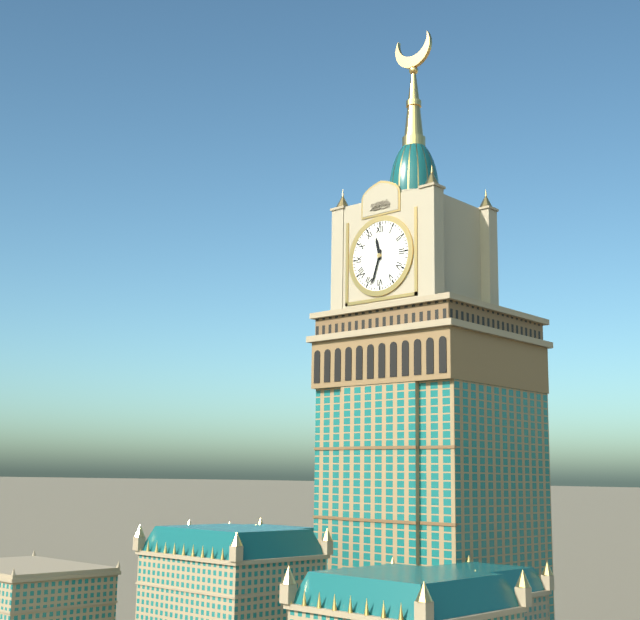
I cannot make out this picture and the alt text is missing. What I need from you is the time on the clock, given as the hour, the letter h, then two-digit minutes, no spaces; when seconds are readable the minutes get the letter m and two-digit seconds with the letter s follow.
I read 11h33
